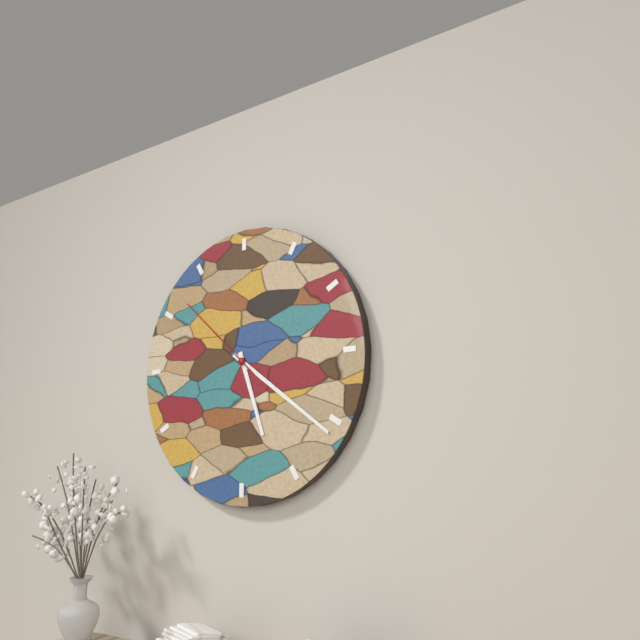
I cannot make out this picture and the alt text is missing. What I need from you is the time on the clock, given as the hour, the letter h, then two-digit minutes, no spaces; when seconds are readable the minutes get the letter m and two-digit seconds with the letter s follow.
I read 5h21m52s
